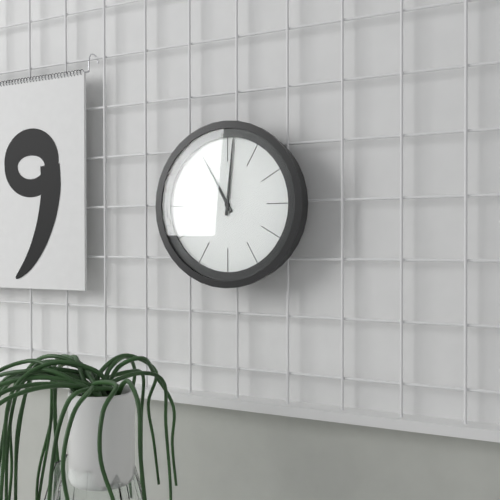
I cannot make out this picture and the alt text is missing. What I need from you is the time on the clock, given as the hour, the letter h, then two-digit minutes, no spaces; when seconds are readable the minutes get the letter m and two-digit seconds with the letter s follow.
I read 11h01
